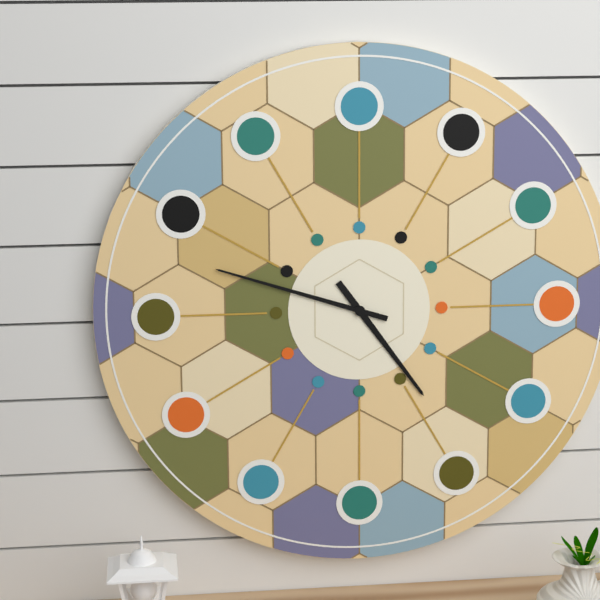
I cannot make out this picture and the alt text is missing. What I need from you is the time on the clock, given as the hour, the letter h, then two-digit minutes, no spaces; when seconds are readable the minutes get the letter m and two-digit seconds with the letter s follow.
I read 4h48
